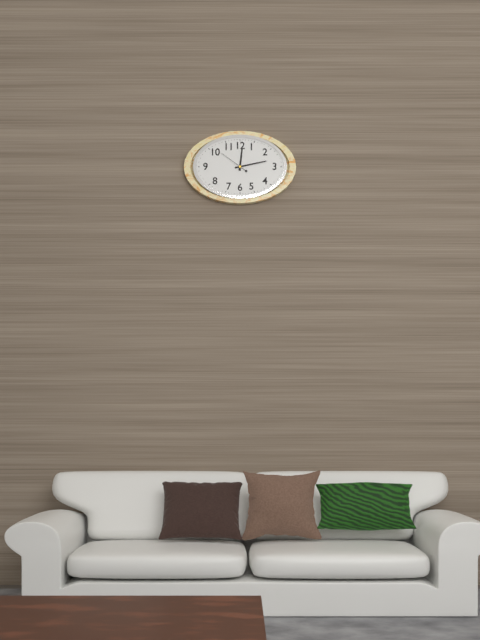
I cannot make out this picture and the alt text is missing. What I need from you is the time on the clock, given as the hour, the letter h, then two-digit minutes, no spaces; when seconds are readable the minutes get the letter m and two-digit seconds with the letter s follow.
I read 12h13
